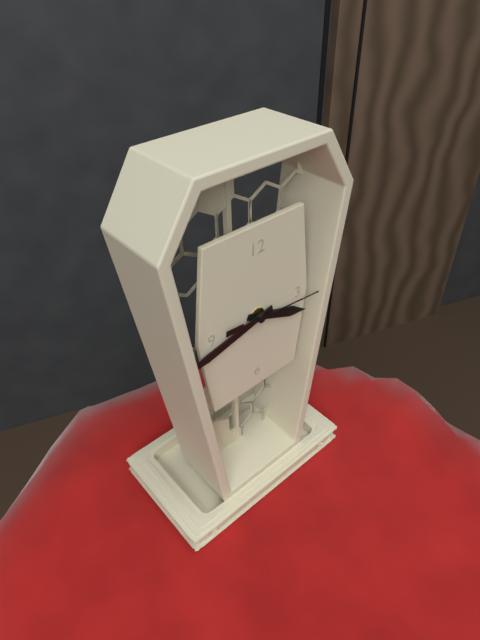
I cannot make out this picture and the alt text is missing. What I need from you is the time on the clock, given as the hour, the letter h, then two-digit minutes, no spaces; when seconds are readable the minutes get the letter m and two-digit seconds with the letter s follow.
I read 3h43m16s
